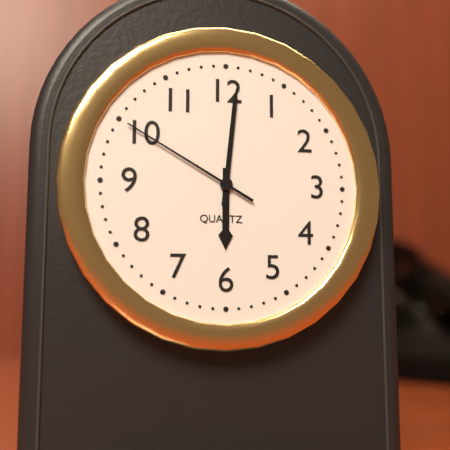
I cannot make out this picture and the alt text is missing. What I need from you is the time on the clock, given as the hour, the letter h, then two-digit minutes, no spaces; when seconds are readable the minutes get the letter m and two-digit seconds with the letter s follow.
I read 6h01m50s
